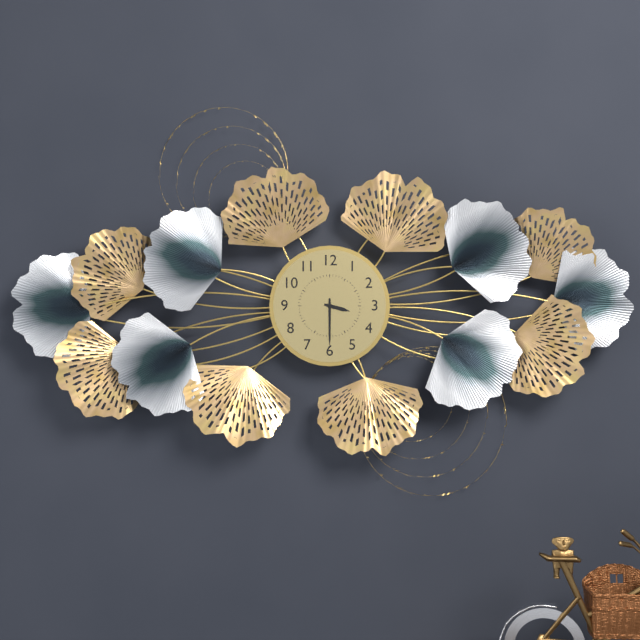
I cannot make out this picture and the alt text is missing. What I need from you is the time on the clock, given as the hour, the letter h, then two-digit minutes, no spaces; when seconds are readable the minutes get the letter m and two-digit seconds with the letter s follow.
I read 3h30
